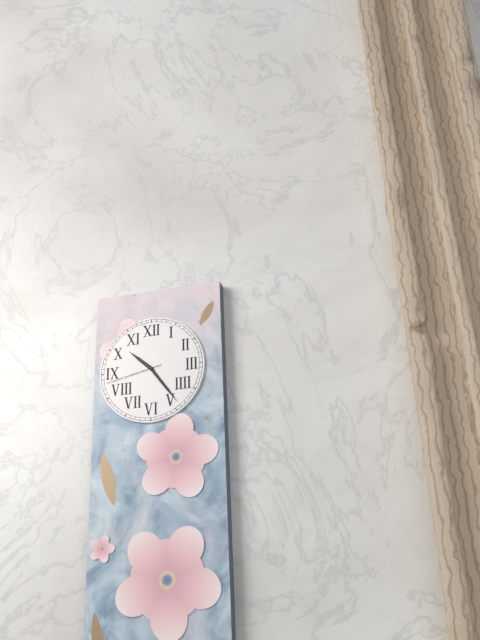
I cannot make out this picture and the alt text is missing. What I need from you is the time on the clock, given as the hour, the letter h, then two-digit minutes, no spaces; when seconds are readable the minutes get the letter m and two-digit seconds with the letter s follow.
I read 10h24m43s
